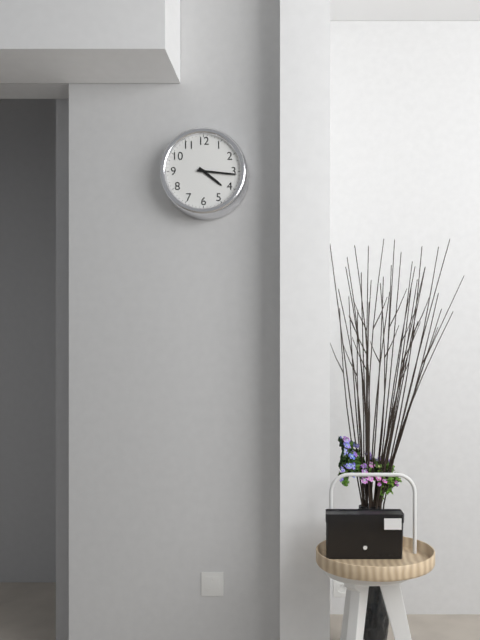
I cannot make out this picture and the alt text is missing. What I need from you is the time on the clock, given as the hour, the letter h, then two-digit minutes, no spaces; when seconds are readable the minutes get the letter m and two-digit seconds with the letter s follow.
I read 4h16
